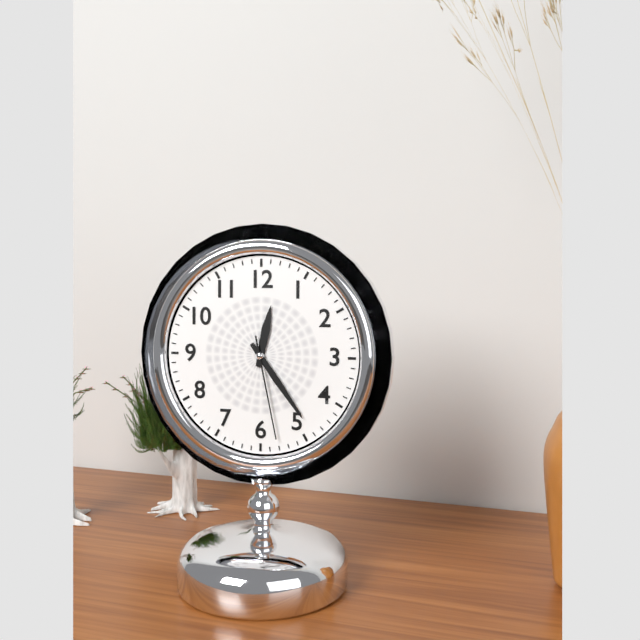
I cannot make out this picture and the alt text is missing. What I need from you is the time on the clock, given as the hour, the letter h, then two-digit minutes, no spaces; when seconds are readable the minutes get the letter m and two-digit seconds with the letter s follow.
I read 12h24m28s
